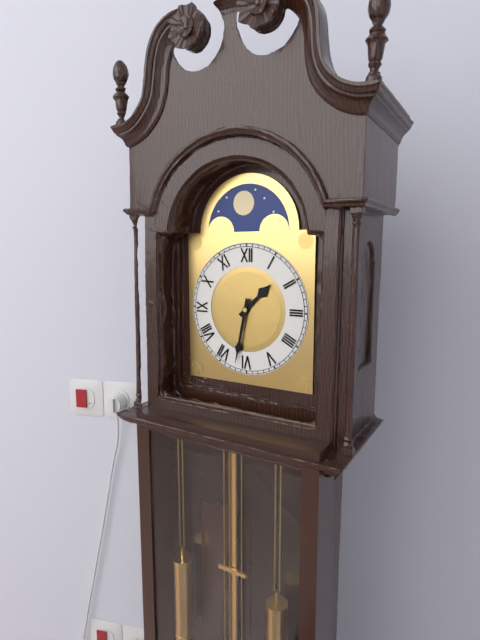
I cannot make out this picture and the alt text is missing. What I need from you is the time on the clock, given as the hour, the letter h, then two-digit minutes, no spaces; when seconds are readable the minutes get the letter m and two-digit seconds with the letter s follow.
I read 1h32
